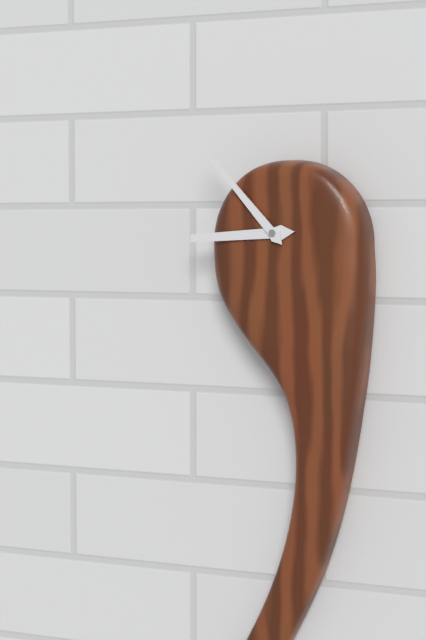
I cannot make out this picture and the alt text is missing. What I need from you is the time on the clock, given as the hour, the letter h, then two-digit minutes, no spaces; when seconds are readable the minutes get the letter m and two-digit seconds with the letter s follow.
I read 8h53
